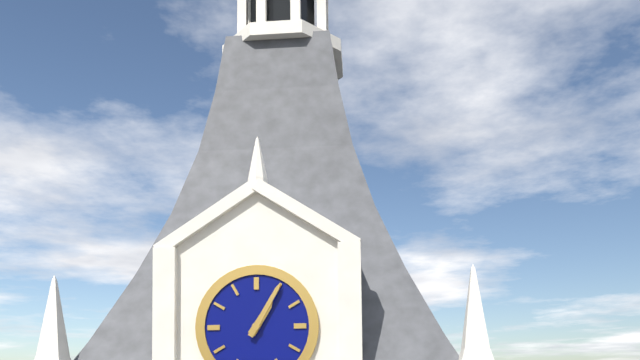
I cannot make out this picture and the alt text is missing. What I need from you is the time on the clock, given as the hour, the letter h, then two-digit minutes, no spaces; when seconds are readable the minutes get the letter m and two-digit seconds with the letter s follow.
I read 1h05
